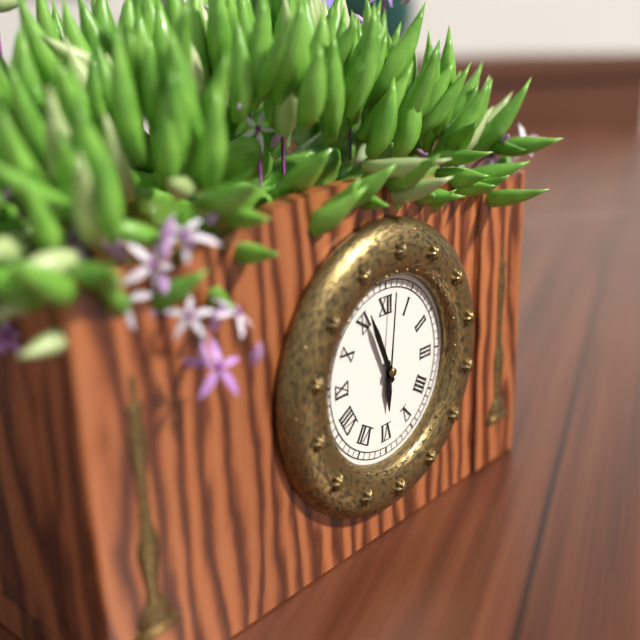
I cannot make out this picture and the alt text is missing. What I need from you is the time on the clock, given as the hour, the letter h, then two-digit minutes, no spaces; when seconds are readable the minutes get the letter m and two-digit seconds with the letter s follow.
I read 5h56m01s
